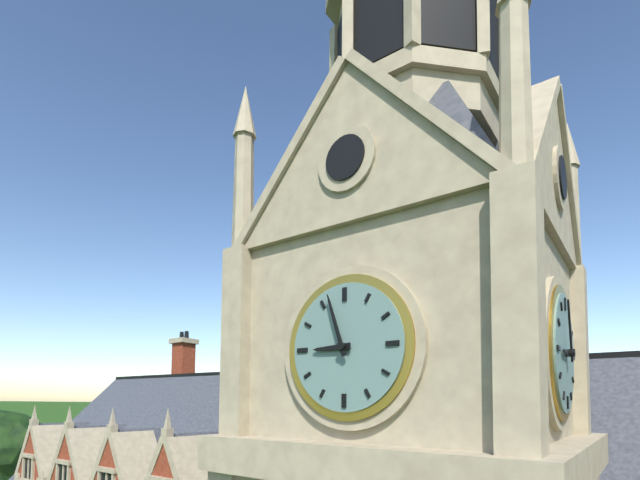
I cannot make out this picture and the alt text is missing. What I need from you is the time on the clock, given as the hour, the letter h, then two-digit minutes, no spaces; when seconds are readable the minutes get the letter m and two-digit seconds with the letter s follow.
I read 8h57
